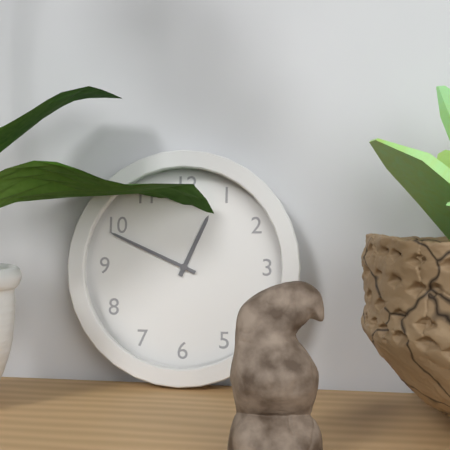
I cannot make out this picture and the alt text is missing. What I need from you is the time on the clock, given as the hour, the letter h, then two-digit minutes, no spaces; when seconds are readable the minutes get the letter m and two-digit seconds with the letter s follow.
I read 12h49
